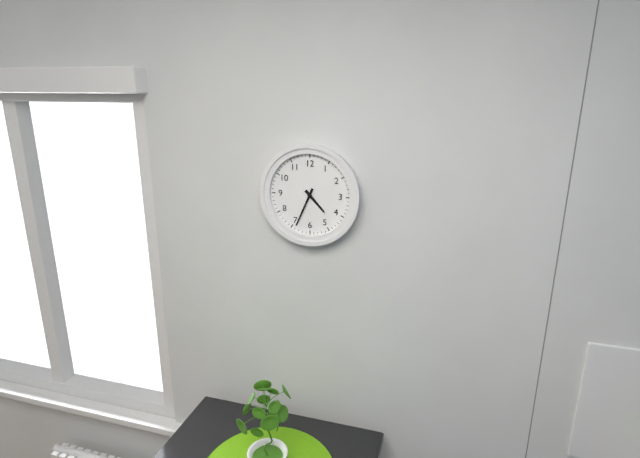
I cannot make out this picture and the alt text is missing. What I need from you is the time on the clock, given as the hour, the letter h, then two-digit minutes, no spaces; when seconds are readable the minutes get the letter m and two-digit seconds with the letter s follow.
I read 4h34
